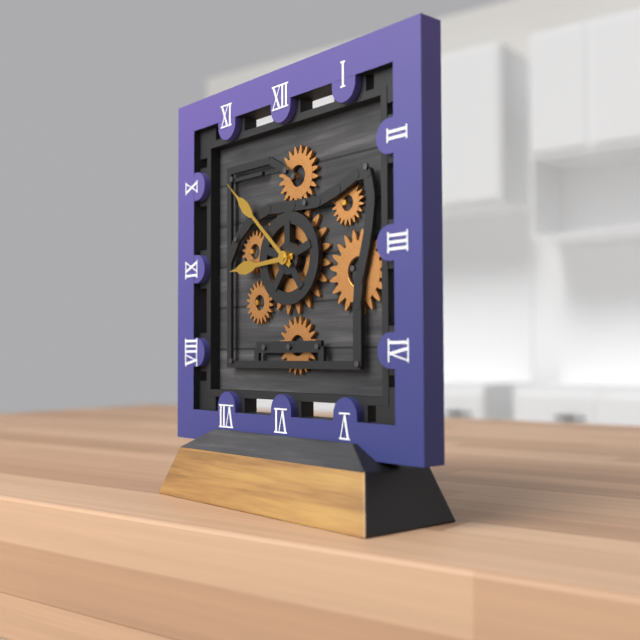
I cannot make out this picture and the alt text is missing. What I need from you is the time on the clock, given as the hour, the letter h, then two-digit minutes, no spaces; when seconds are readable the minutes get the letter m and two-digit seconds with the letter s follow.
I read 8h52
